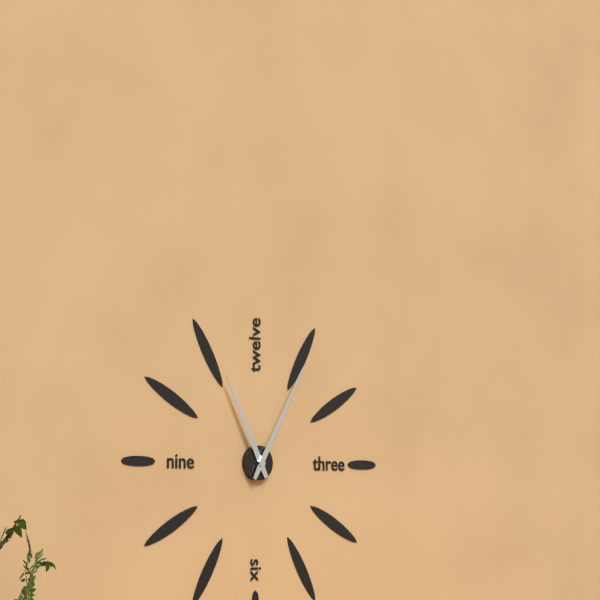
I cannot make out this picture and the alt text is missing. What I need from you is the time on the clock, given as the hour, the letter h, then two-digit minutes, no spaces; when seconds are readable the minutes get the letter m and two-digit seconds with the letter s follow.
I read 11h05
